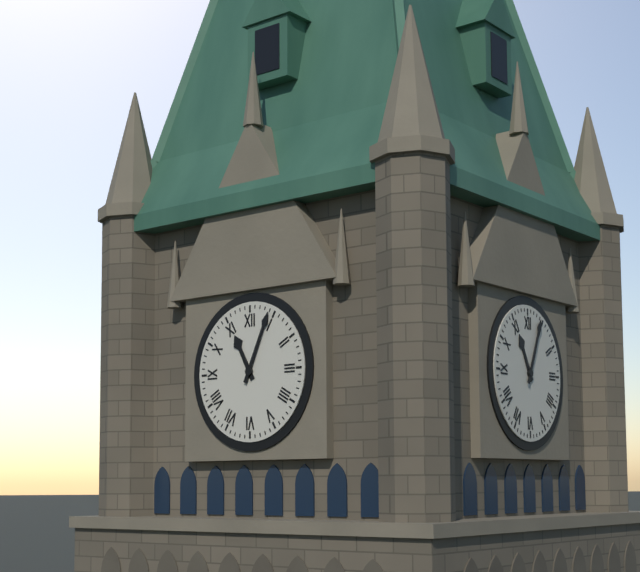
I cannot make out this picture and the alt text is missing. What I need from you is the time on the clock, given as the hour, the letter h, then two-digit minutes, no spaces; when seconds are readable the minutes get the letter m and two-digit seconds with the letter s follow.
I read 11h04
